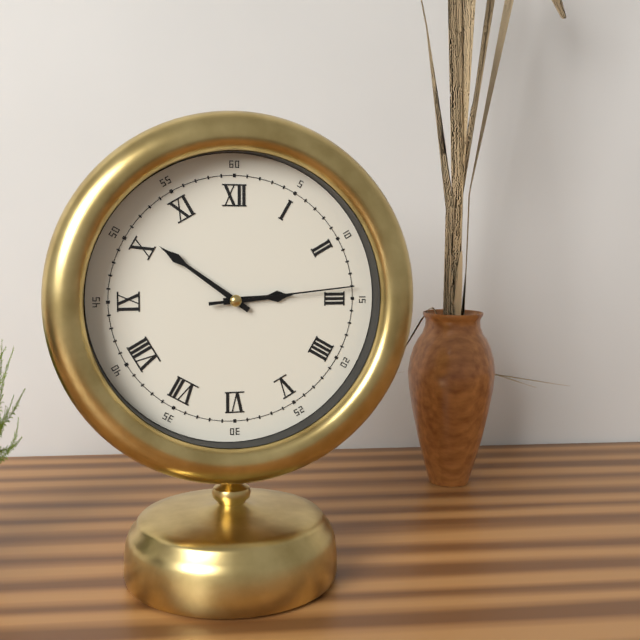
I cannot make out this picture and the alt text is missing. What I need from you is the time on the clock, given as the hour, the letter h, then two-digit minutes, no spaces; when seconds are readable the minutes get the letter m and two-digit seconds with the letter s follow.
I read 2h51m14s
